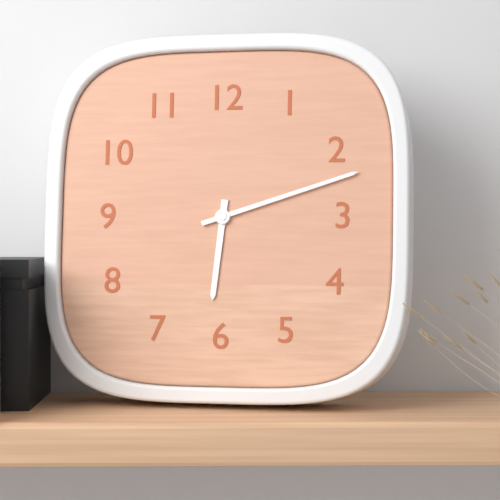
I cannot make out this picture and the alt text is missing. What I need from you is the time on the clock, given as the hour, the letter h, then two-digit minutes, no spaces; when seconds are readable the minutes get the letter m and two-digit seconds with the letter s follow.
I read 6h12
